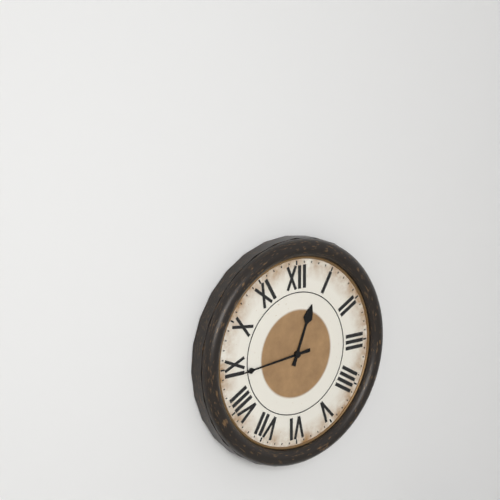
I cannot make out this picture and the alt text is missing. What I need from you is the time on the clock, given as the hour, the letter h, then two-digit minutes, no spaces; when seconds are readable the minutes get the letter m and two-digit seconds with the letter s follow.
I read 12h44
